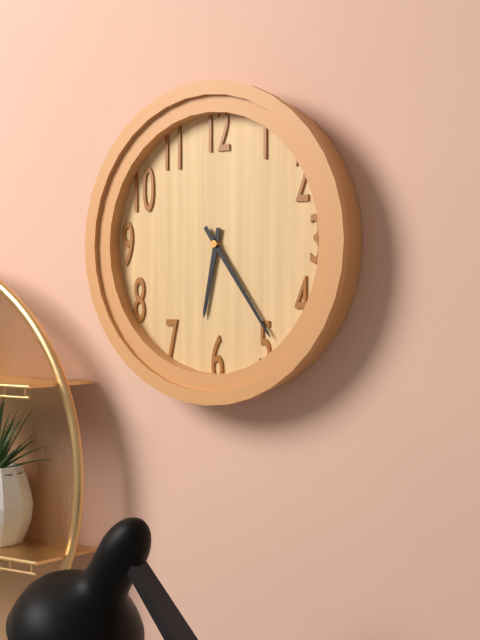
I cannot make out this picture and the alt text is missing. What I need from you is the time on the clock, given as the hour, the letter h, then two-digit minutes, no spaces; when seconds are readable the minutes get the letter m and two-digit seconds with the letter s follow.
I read 6h24
